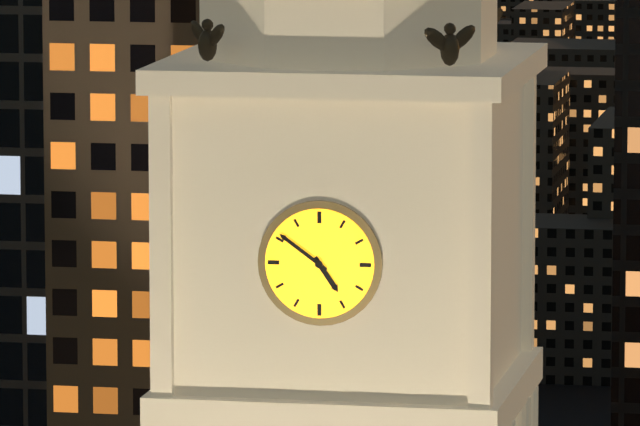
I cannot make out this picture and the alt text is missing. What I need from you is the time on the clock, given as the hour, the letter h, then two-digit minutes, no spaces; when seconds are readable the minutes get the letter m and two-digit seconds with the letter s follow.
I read 4h51
